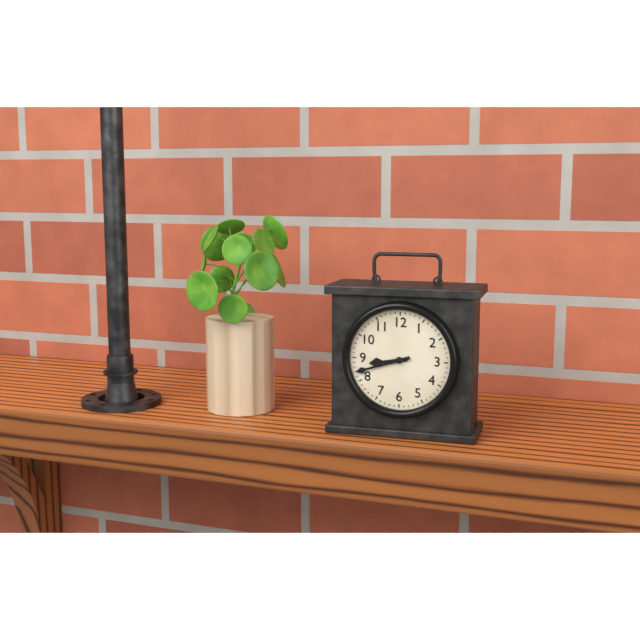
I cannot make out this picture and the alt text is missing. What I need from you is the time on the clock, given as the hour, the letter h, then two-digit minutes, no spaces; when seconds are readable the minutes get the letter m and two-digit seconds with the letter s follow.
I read 8h42
